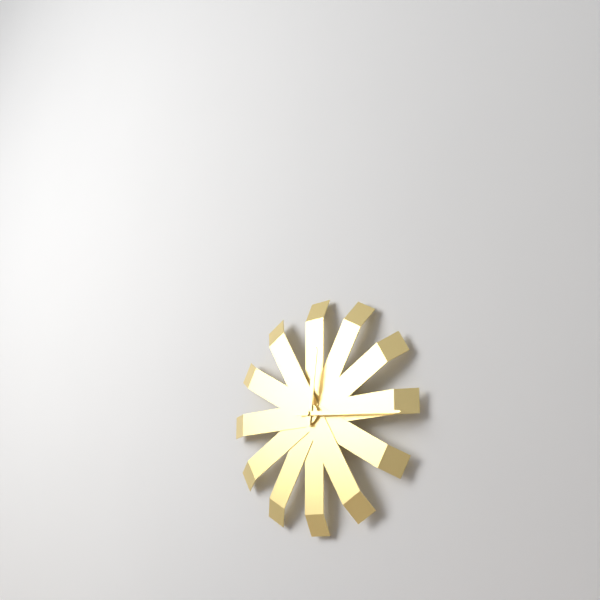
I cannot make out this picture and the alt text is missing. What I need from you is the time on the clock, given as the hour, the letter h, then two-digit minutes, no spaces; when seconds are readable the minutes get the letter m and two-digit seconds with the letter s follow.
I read 12h16
